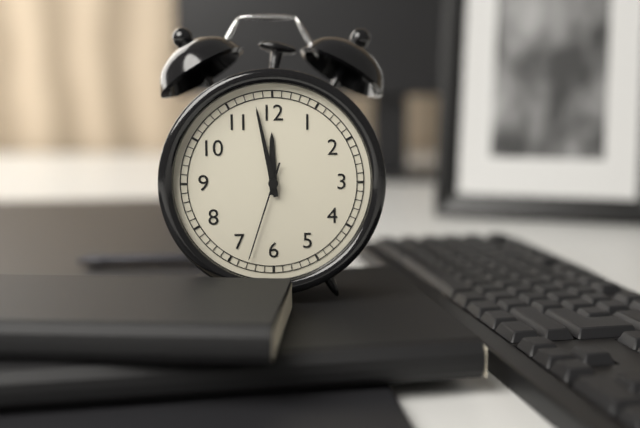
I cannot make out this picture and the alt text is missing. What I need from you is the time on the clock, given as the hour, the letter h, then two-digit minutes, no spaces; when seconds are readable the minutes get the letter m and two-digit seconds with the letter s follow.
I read 11h58m33s
